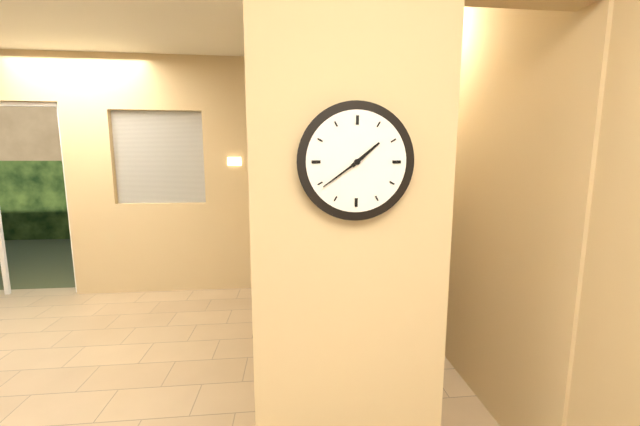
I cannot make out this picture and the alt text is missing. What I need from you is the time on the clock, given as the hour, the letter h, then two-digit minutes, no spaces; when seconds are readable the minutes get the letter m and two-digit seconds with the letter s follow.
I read 1h39
